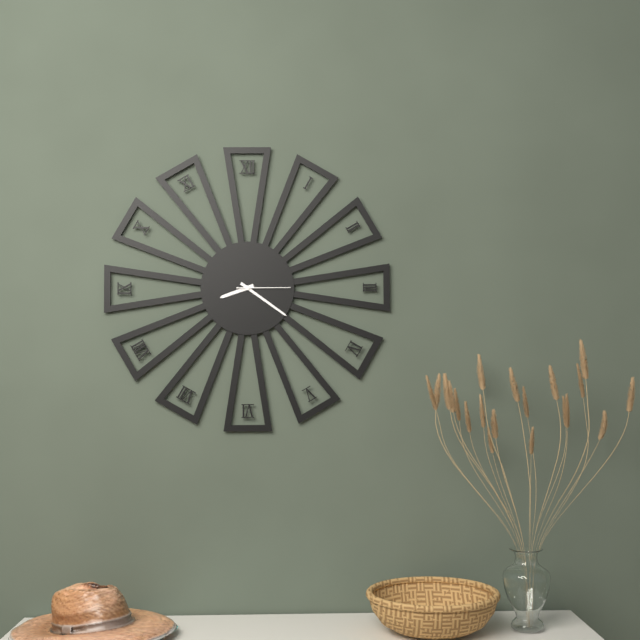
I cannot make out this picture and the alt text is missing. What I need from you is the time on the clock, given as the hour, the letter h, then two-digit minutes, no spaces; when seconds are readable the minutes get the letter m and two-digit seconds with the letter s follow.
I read 8h21m15s
